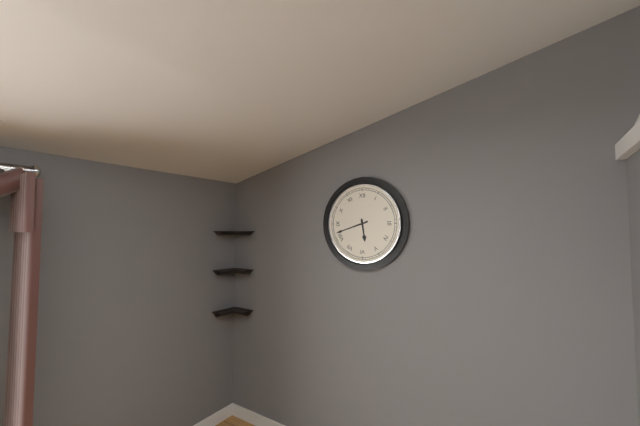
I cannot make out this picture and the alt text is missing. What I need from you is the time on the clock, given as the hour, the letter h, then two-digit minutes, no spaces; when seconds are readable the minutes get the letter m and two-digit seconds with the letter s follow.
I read 5h42
